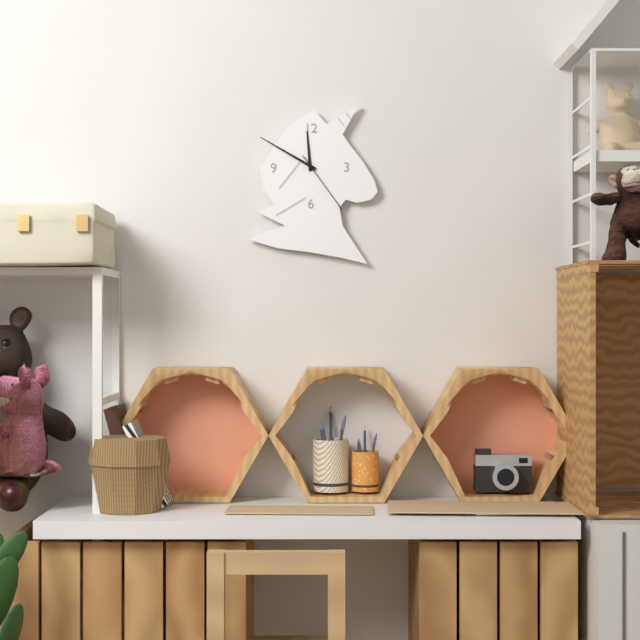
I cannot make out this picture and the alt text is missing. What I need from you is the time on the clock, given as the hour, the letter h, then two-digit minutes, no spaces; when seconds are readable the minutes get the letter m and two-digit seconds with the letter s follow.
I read 11h50m24s
